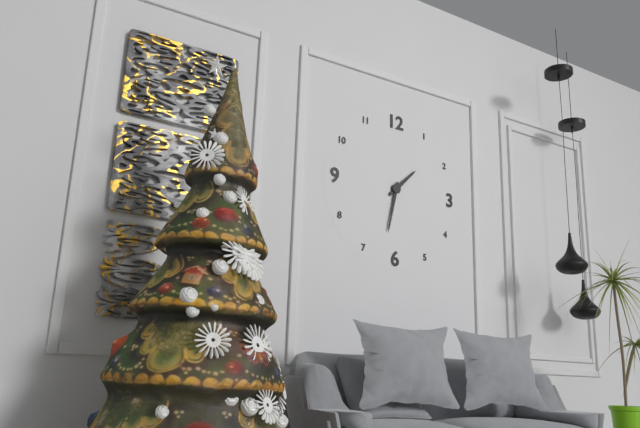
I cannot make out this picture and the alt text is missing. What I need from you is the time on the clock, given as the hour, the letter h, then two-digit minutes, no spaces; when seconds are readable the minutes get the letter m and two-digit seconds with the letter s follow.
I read 1h32
